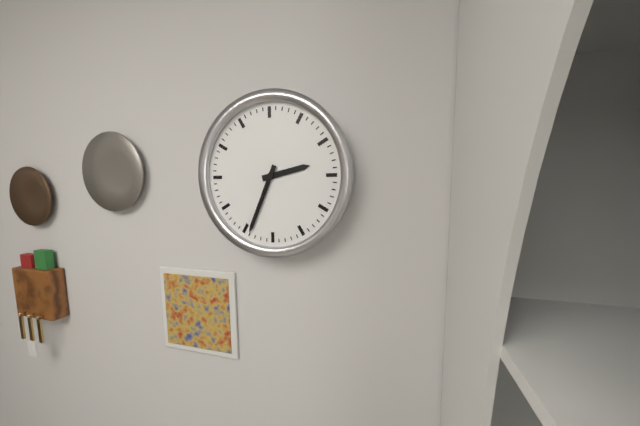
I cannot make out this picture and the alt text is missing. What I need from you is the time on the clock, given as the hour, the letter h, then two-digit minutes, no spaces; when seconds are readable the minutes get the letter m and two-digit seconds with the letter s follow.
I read 2h34
